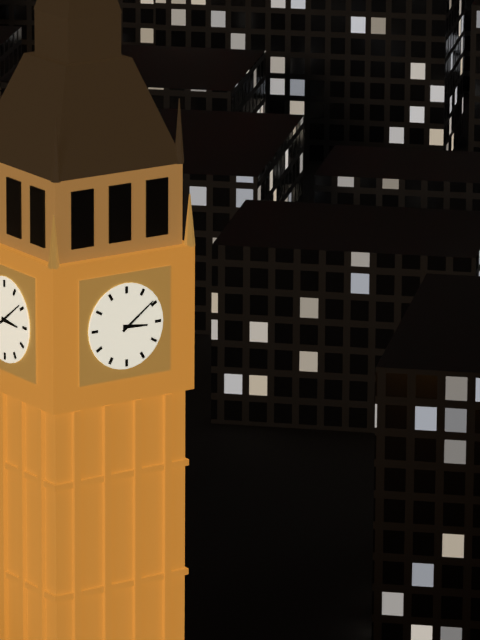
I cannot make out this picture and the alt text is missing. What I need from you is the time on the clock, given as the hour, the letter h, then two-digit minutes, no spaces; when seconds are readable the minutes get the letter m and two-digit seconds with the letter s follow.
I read 3h09
